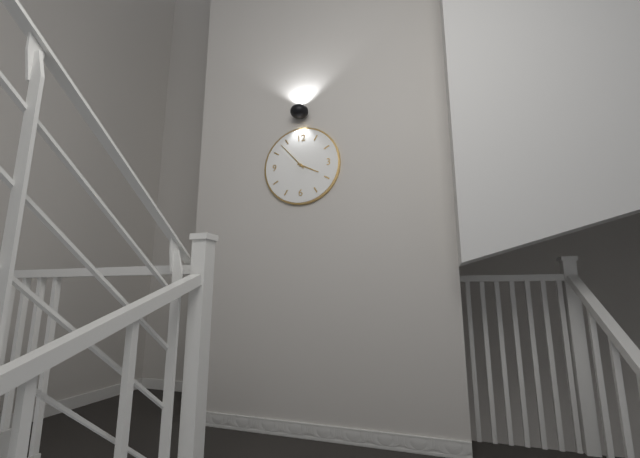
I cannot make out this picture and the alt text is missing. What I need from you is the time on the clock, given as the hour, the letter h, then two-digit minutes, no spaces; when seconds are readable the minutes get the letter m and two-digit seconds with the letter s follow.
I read 3h53
